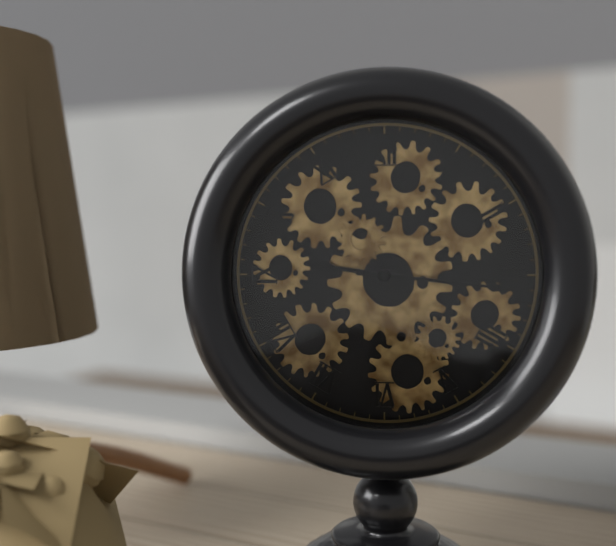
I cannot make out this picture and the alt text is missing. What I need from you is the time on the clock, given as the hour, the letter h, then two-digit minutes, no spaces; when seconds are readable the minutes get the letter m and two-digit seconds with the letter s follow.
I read 9h16
